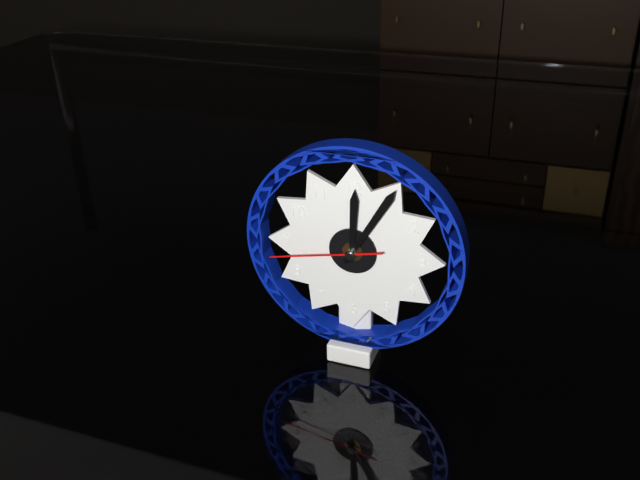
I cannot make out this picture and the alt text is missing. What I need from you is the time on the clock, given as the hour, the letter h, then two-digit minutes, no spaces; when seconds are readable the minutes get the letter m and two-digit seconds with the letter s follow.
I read 12h05m43s
